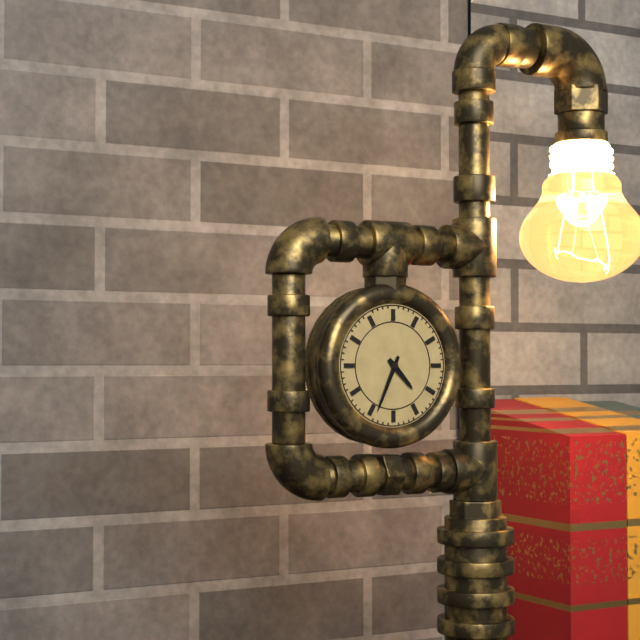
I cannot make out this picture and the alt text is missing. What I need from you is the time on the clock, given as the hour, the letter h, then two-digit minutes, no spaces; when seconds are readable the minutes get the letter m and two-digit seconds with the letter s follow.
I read 4h34
